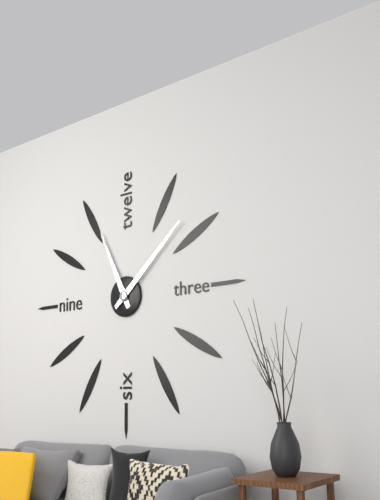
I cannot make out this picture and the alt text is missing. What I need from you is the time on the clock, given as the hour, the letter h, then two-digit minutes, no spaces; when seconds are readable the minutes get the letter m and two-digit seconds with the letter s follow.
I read 11h08
